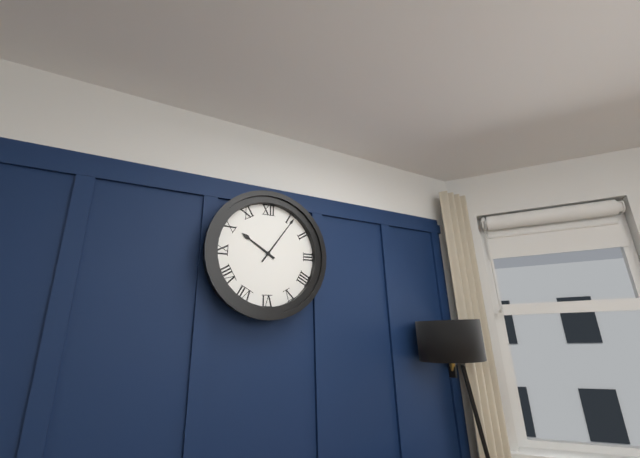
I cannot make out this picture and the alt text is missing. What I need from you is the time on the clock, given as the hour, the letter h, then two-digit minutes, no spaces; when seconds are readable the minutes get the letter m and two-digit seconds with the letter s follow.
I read 10h06
